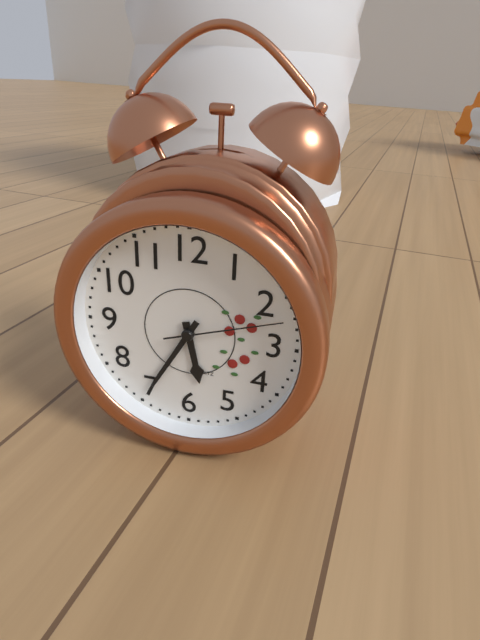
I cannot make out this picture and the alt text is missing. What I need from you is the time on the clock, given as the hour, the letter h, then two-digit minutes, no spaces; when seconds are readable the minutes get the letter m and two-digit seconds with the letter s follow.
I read 5h35m12s
